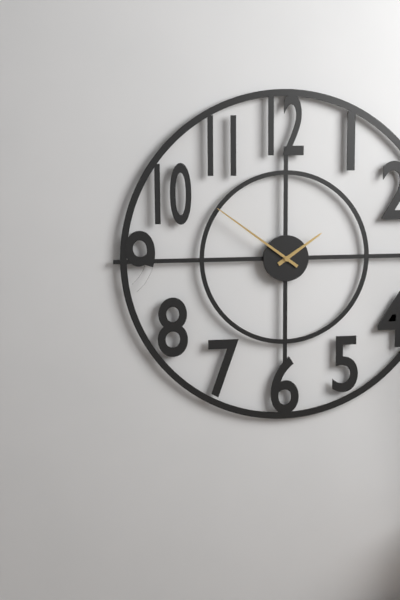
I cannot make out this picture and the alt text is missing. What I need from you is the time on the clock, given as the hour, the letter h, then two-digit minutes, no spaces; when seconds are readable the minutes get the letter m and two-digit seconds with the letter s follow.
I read 1h51
